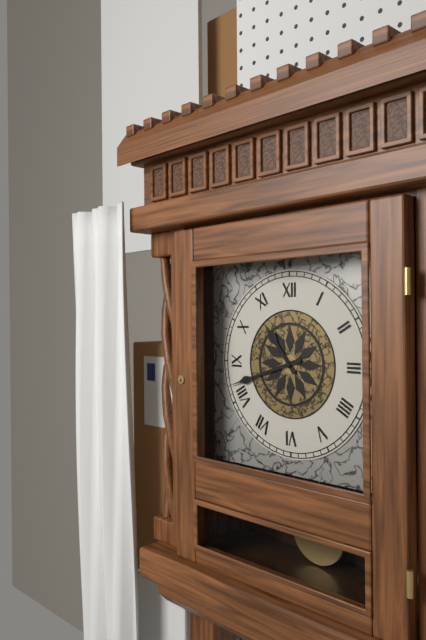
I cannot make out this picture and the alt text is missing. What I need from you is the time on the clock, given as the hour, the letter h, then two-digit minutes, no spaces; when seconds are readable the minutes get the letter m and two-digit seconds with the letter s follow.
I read 10h42
